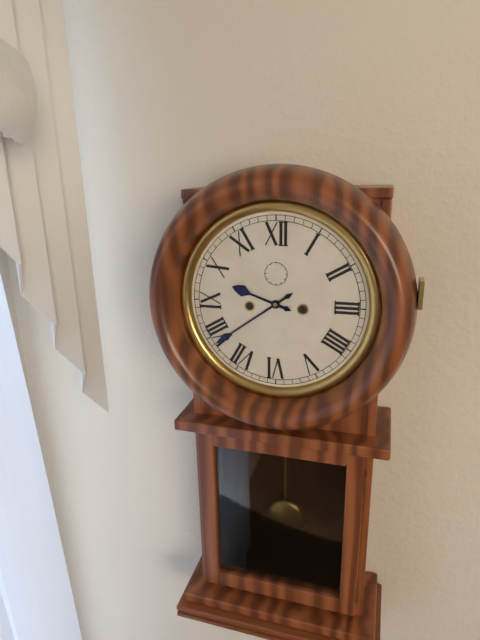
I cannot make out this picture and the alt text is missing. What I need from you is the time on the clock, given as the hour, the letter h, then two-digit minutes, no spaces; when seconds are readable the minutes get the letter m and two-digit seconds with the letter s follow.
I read 9h39
